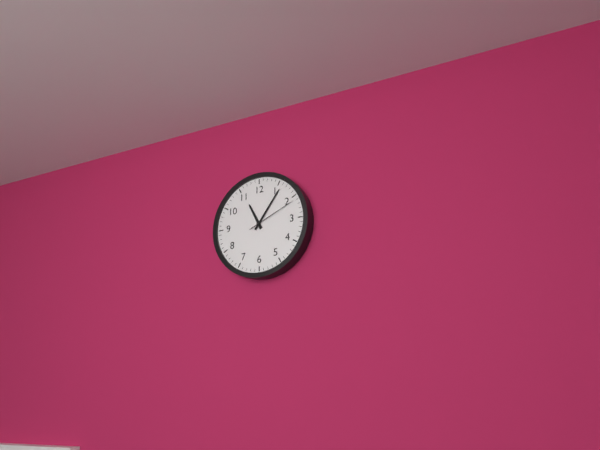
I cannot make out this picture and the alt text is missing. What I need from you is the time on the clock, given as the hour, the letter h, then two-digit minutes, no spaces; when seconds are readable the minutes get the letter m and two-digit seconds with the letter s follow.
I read 11h06m11s
